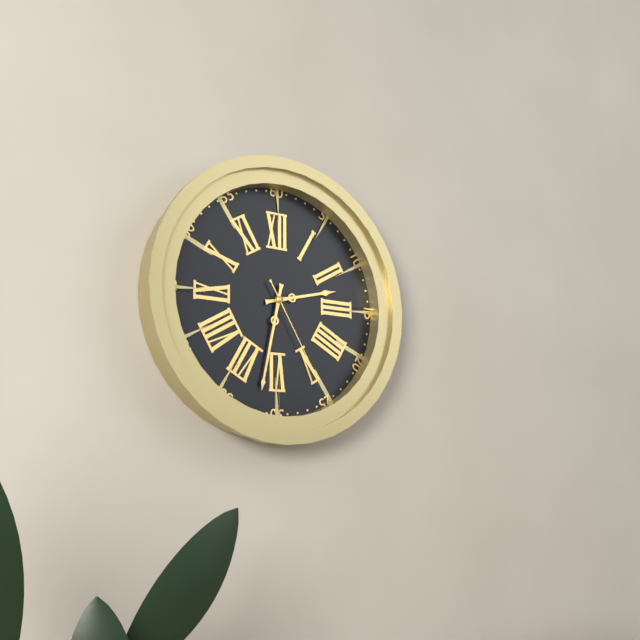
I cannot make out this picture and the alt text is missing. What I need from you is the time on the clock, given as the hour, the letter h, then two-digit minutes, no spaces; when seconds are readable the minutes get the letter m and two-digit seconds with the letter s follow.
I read 2h32m25s
